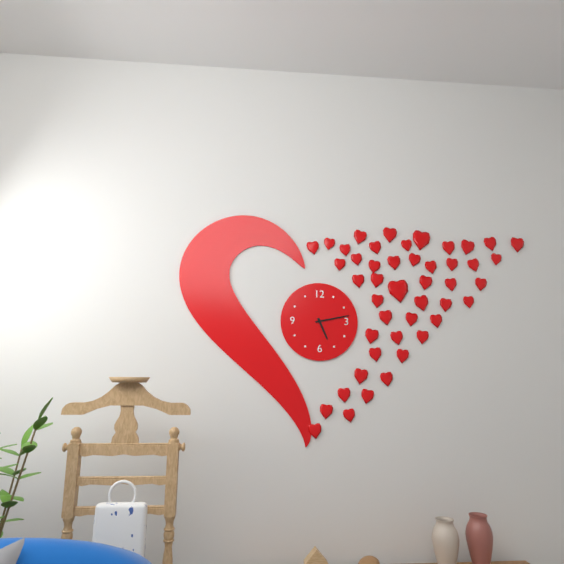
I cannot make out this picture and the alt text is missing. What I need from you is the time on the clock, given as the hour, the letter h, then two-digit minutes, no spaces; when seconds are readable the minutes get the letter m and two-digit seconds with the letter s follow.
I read 5h13
